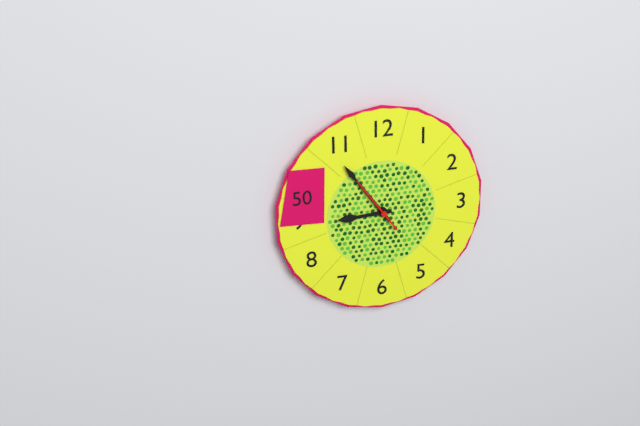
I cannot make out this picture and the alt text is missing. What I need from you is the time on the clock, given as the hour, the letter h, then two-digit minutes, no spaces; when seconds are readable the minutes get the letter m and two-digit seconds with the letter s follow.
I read 8h54m54s
